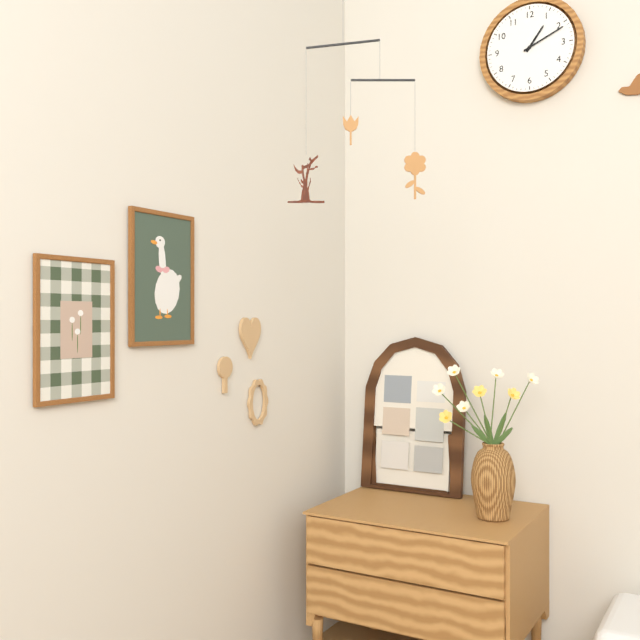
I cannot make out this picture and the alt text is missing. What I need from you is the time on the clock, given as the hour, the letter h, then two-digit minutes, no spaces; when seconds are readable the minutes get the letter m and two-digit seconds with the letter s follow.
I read 1h11
